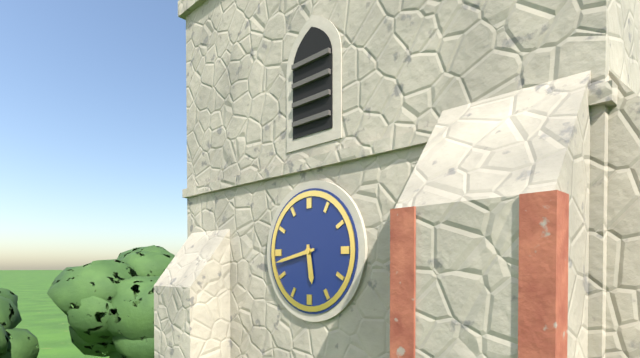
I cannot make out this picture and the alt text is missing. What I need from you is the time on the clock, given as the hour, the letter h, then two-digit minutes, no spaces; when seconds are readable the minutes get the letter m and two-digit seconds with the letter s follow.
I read 5h43
